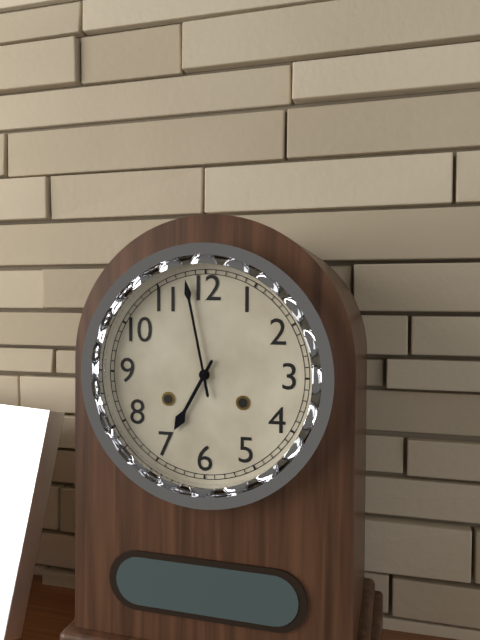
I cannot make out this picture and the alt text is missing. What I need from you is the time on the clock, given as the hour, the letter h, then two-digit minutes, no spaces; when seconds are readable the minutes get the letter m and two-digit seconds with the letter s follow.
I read 6h58
